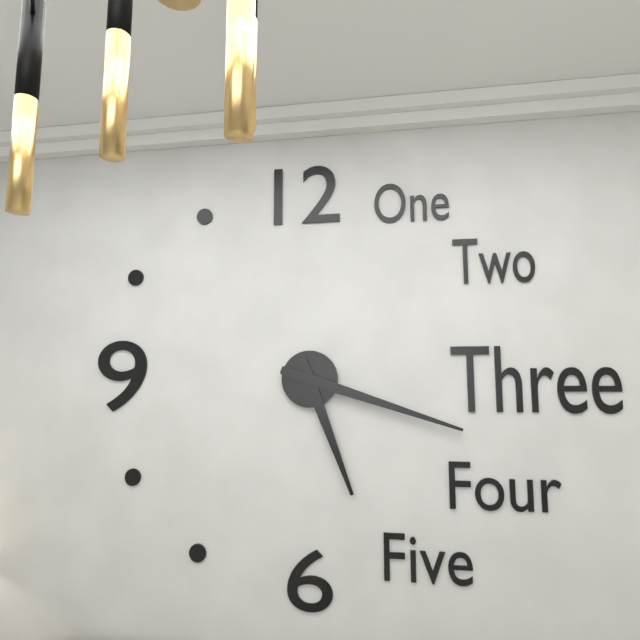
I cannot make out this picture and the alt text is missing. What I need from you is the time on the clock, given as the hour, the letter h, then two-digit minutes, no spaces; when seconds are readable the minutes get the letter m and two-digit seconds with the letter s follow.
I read 5h18
